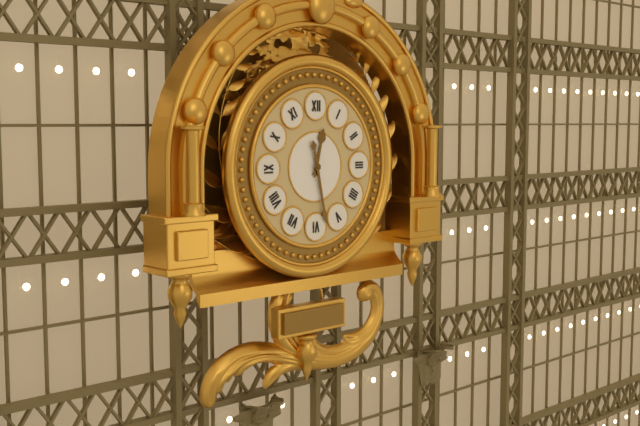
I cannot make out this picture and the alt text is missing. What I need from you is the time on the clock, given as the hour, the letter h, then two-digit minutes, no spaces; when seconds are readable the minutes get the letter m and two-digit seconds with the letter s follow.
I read 12h28
